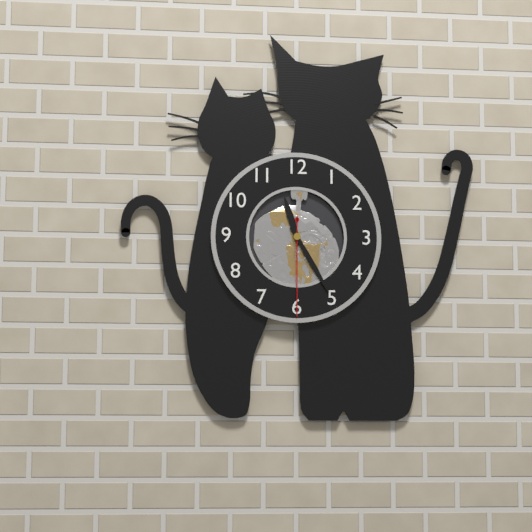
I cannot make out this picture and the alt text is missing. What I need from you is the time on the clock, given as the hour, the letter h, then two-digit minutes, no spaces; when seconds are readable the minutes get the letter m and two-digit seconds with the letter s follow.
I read 11h25m30s
